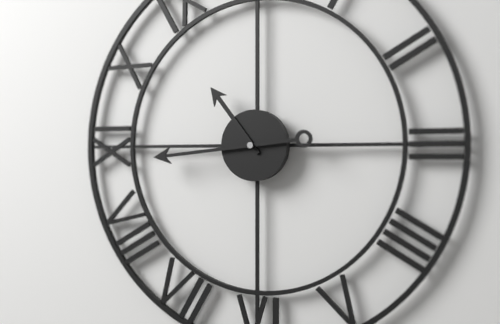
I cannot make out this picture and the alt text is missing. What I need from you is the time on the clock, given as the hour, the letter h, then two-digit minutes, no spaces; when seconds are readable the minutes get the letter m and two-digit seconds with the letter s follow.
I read 10h44
